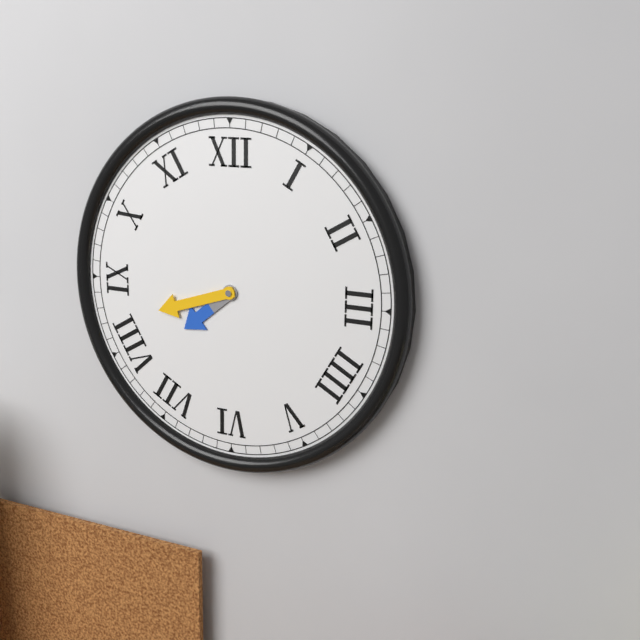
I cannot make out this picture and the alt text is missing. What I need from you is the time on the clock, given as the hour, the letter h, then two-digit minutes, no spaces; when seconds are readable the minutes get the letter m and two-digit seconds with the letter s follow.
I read 7h42
